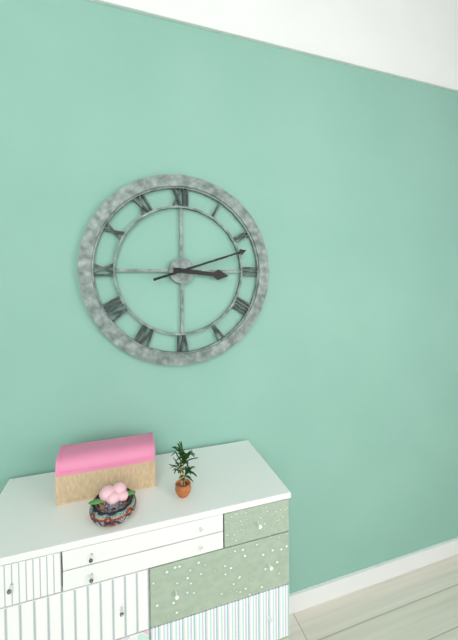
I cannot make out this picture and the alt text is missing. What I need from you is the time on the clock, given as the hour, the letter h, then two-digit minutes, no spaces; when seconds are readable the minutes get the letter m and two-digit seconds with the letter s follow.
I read 3h12
